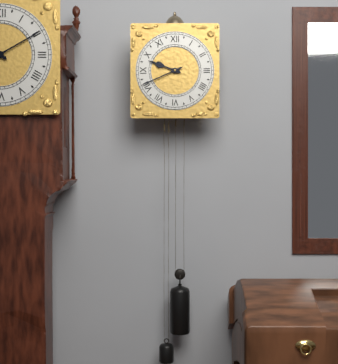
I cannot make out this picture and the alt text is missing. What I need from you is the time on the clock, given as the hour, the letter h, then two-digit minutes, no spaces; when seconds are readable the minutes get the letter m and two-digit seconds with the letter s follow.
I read 9h41
